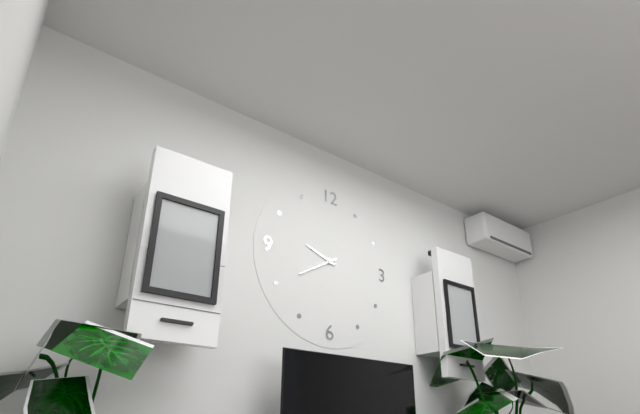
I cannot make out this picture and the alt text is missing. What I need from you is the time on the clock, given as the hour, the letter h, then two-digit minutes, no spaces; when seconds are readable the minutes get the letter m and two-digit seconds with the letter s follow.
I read 9h40
